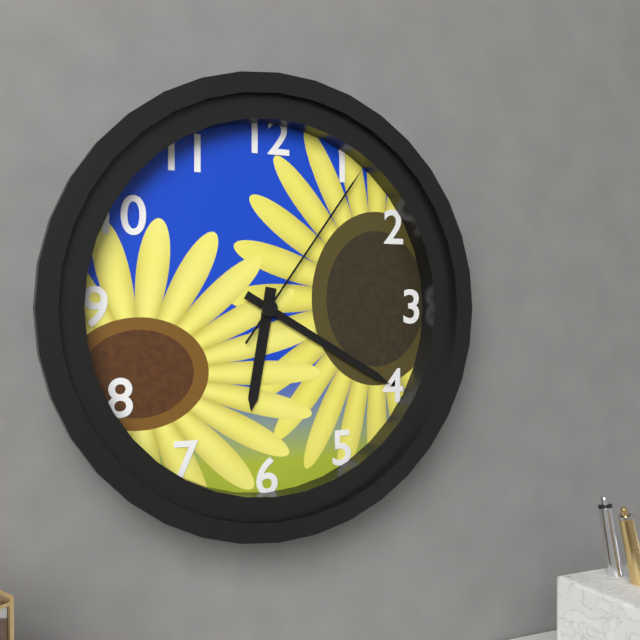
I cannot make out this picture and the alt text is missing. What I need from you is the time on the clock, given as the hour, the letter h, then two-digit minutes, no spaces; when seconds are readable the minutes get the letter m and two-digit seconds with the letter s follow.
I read 6h20m06s
